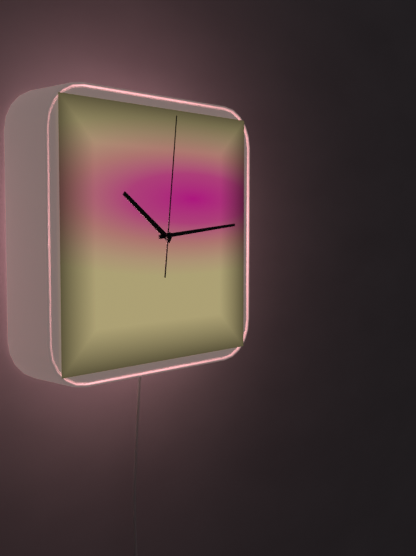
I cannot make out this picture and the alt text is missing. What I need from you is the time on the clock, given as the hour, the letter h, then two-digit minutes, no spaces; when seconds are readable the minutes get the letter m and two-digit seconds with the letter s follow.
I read 10h14m01s
